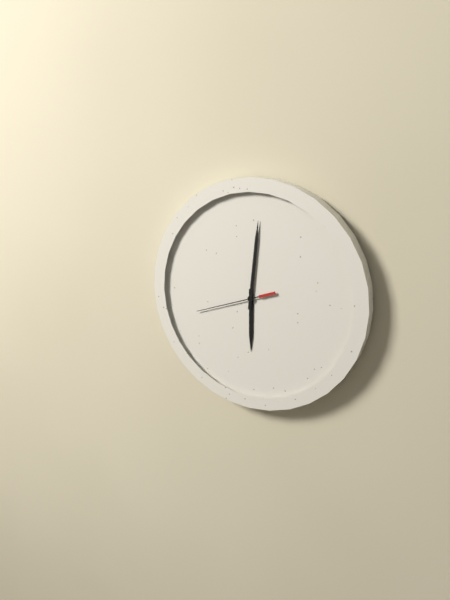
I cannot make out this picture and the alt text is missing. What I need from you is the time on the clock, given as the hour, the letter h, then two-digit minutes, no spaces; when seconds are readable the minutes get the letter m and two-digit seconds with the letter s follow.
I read 6h01m42s
